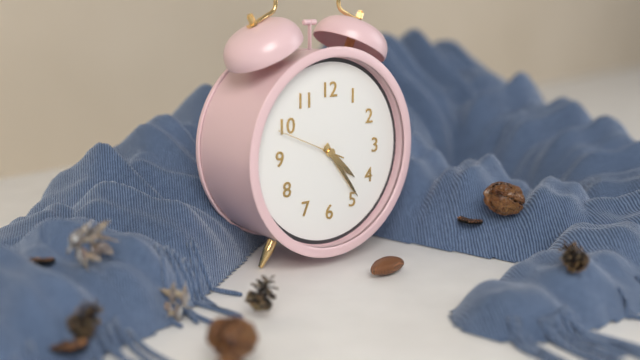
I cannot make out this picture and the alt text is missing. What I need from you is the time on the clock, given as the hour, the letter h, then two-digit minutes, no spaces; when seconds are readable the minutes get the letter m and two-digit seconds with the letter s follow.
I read 4h24m49s
